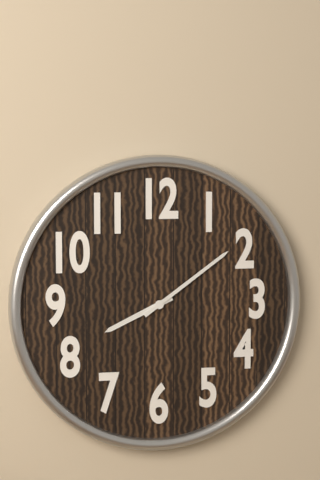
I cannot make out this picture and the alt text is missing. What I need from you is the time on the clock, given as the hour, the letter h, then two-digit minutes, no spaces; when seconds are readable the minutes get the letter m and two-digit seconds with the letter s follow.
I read 8h09
